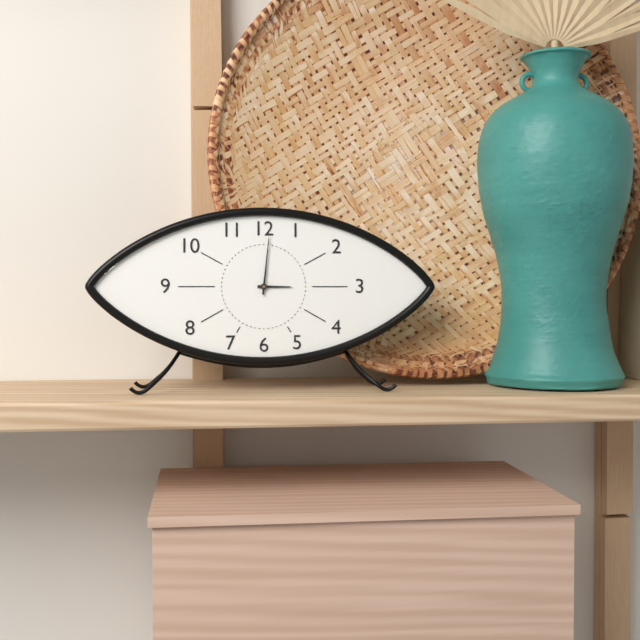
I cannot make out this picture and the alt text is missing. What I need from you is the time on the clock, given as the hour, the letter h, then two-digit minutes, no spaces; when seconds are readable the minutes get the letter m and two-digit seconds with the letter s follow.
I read 3h01
